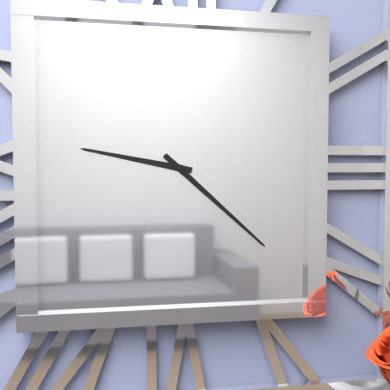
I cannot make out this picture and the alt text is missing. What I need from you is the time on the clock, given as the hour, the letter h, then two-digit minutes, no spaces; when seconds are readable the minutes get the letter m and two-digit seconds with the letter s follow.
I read 9h22
